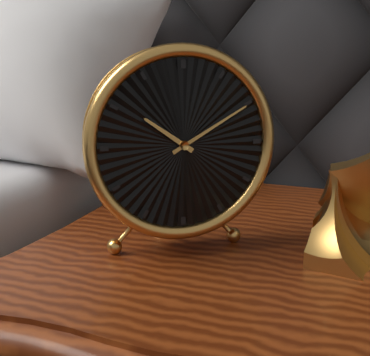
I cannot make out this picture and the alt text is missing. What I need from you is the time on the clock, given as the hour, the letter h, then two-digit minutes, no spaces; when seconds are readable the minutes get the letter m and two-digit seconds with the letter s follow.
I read 10h10
